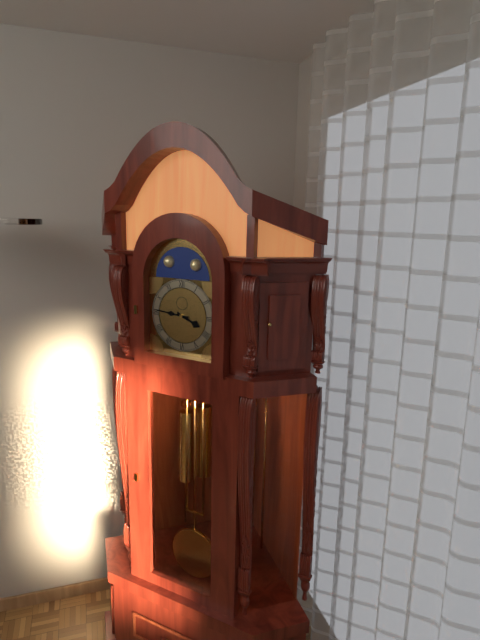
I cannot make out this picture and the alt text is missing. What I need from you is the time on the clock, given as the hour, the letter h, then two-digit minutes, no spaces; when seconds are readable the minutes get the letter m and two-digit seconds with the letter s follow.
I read 3h46
